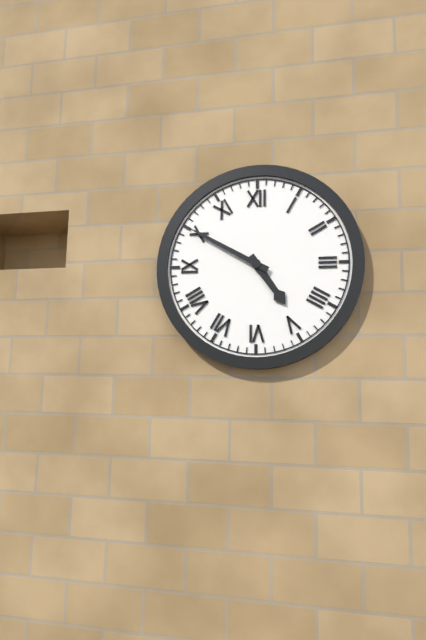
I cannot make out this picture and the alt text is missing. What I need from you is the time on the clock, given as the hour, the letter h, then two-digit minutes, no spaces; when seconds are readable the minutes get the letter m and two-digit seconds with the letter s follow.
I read 4h50
